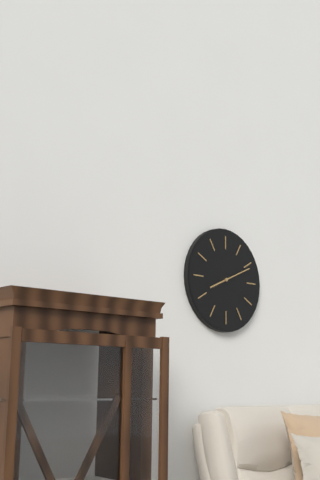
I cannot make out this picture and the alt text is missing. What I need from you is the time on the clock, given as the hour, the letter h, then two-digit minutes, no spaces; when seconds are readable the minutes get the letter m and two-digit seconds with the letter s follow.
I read 8h11
